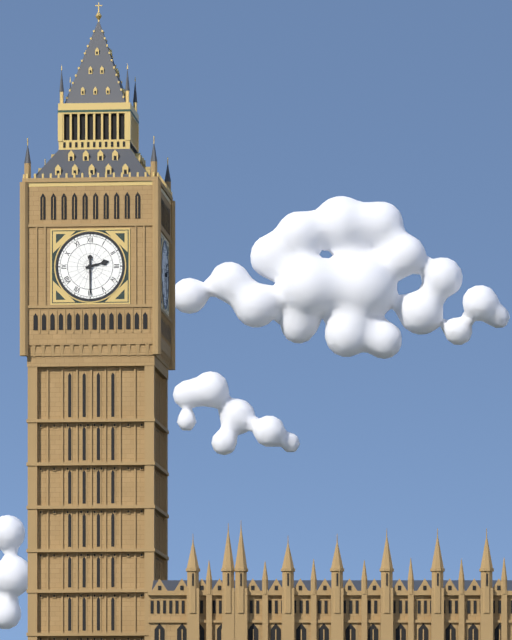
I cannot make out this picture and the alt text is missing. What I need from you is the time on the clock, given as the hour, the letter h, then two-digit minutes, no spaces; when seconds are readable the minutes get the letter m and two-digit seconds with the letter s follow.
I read 2h30
